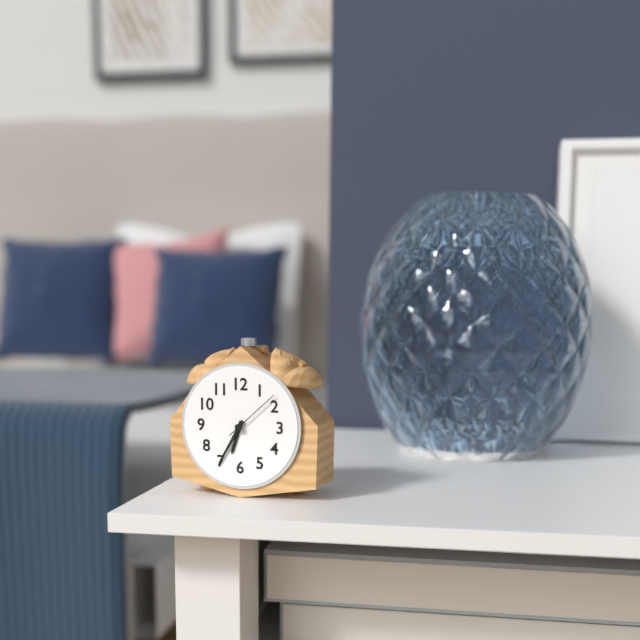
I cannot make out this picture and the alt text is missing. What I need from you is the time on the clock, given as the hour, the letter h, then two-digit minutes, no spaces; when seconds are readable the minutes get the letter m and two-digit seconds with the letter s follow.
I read 6h35m08s
